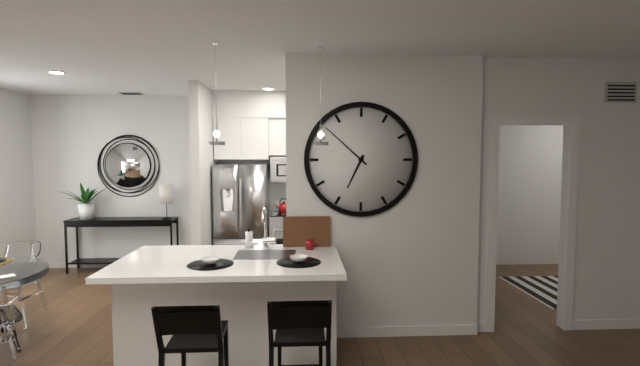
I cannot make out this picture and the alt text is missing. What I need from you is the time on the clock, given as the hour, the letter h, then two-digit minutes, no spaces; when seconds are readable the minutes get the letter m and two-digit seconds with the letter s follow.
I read 6h52
